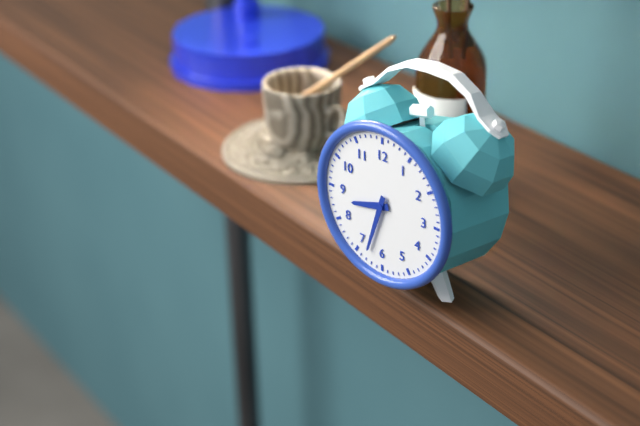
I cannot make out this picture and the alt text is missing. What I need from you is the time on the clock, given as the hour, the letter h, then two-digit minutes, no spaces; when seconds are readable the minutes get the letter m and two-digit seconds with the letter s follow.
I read 8h33
